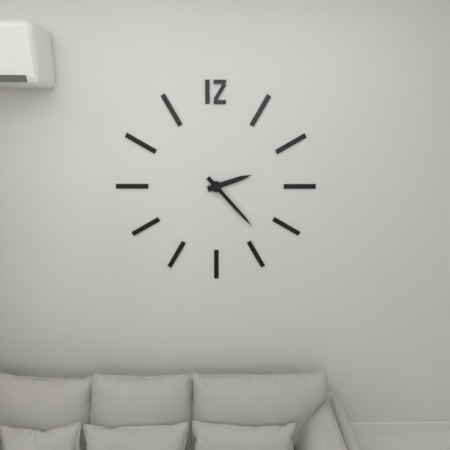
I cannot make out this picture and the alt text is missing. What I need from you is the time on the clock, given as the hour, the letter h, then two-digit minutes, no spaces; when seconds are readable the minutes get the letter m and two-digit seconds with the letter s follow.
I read 2h23
